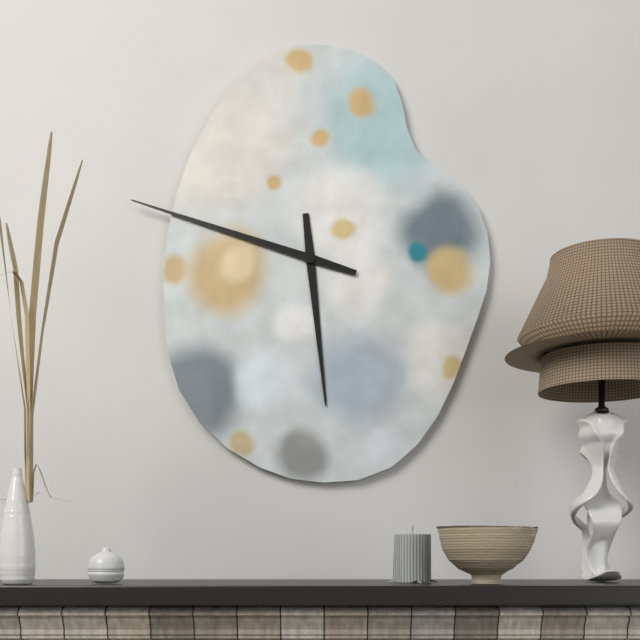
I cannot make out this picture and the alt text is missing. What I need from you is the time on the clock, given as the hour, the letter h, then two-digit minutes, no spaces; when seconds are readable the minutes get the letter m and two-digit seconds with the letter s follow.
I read 5h48
